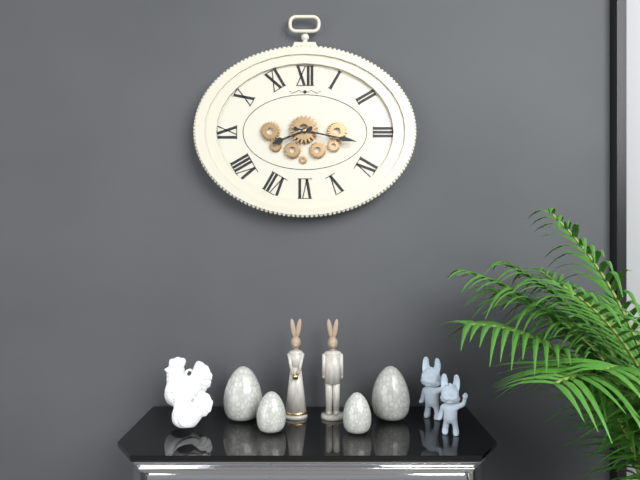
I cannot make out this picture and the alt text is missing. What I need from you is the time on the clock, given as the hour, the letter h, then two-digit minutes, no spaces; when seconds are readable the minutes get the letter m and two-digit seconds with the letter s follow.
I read 8h17
